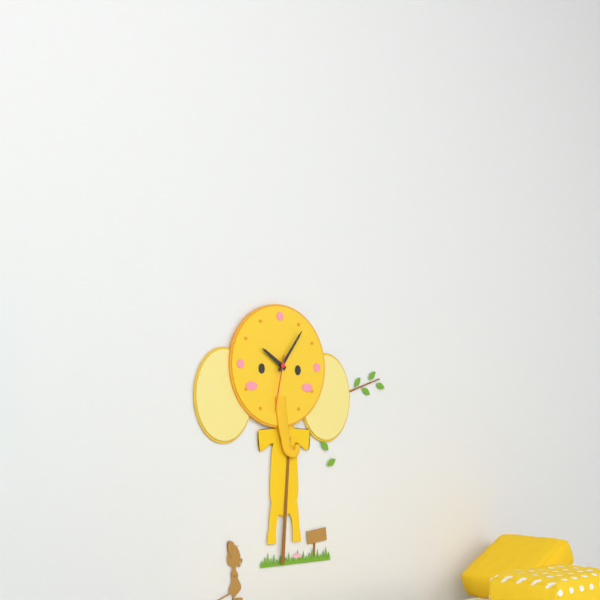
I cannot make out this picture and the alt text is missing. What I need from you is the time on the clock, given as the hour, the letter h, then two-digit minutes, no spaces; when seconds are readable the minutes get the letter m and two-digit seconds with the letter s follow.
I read 10h06m32s
